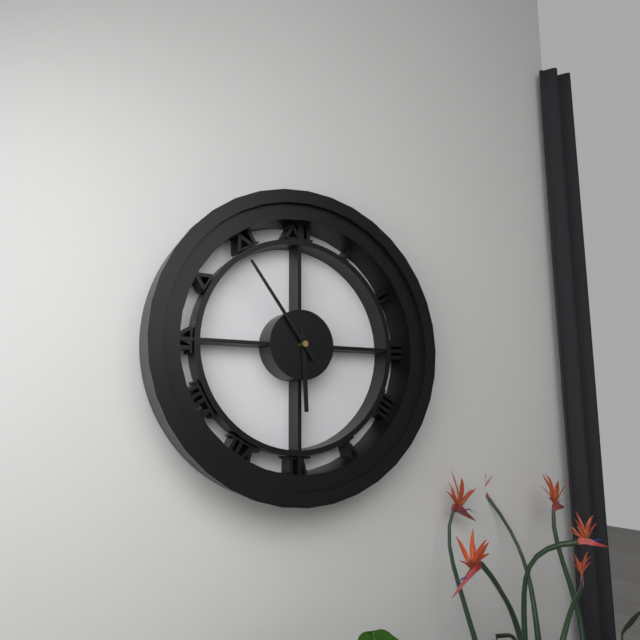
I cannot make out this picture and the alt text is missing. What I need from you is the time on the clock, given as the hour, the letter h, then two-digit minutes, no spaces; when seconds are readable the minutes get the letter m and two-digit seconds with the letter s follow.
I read 5h54
